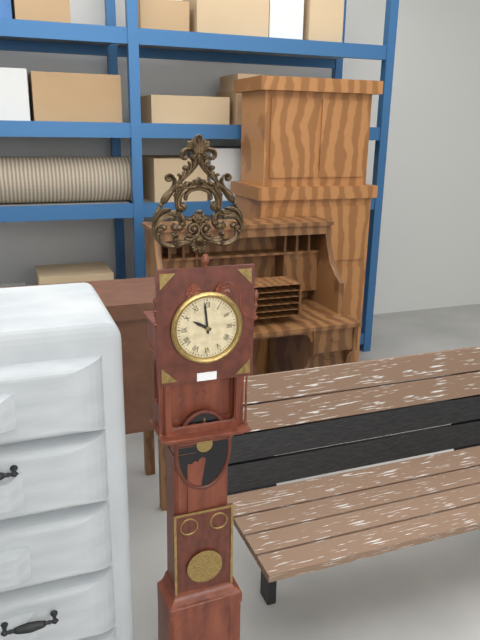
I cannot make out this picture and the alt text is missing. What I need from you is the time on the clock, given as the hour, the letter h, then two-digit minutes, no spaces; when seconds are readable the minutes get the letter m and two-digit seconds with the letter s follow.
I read 9h59
